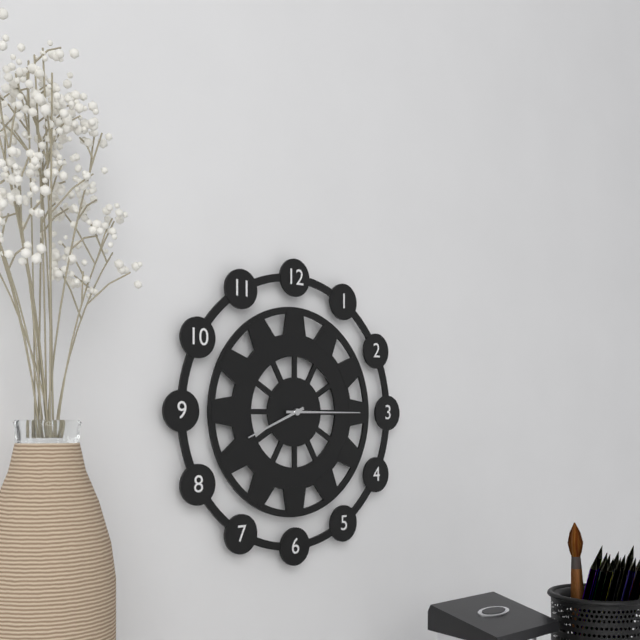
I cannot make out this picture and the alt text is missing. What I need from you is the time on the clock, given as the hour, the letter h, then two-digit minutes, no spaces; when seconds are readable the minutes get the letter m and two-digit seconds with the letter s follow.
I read 8h15
